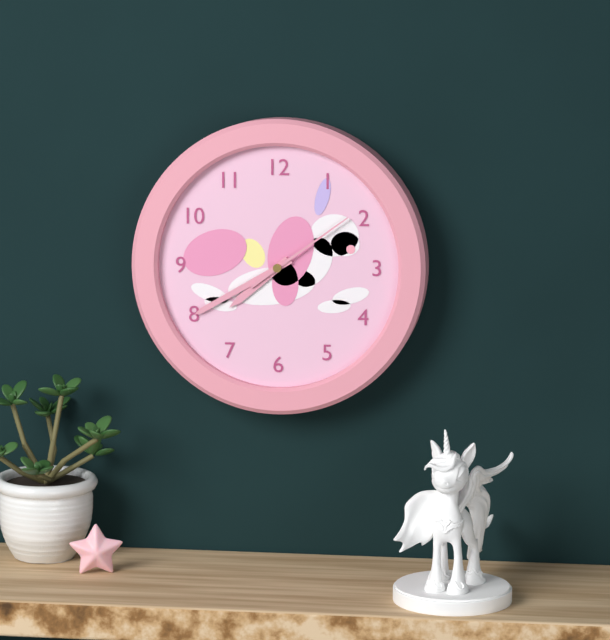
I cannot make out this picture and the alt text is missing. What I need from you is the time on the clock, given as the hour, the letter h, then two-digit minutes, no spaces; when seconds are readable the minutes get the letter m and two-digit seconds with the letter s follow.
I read 7h40m09s
